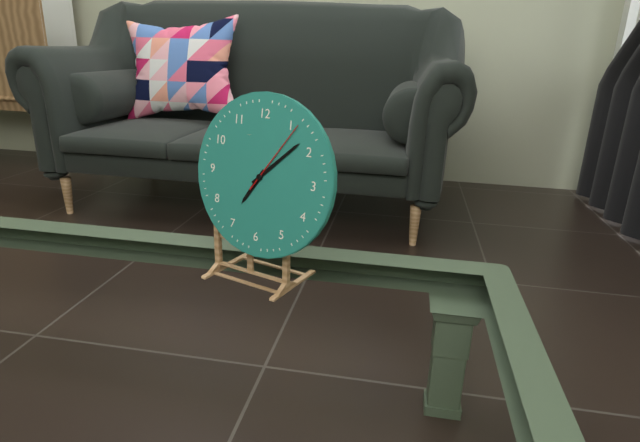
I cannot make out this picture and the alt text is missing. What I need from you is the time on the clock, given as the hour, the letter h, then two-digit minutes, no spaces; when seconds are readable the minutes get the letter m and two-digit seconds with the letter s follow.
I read 7h08m06s
